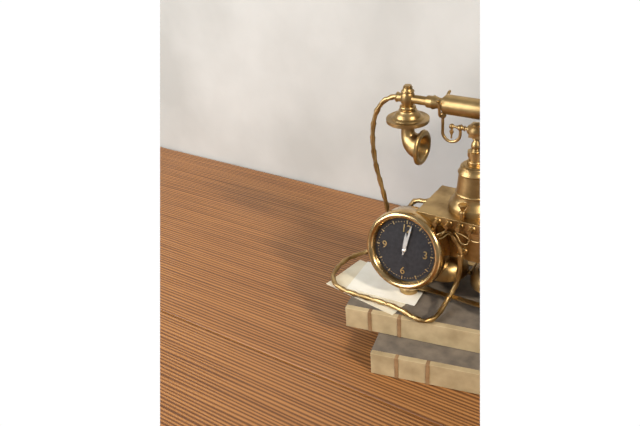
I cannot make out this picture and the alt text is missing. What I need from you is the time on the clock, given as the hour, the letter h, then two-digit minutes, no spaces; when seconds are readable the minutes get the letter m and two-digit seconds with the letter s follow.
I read 12h02
